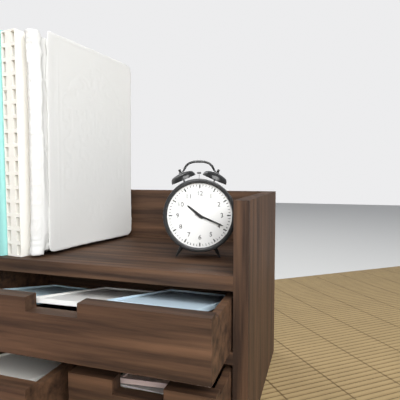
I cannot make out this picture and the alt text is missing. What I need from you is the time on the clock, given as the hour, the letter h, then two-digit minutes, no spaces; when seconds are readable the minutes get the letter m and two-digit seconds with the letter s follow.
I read 10h19
